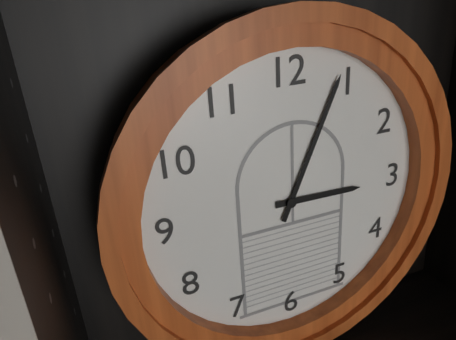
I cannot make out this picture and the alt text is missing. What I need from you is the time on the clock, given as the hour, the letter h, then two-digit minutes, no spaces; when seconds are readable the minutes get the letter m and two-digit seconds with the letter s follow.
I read 3h04
